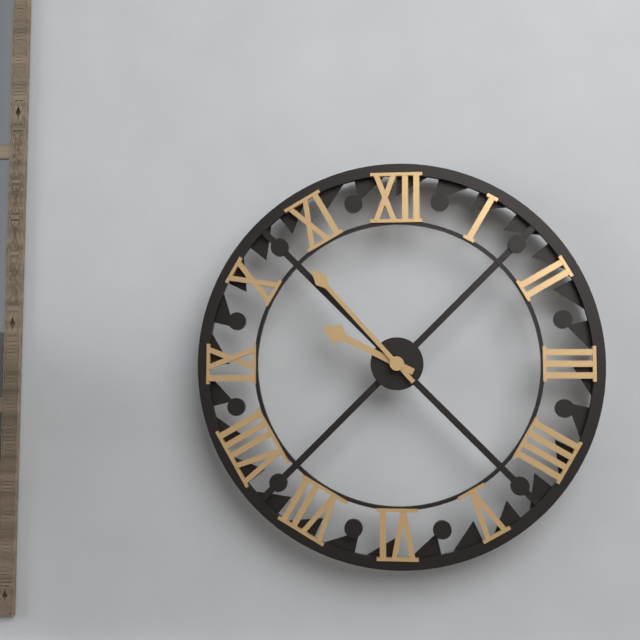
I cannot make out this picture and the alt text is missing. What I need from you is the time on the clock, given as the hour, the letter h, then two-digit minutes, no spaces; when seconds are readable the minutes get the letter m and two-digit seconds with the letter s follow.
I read 9h53
